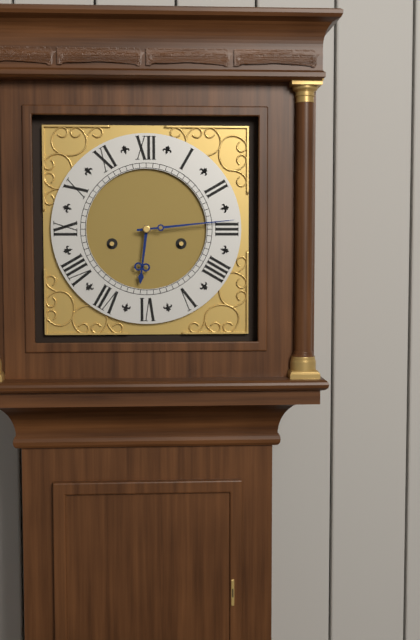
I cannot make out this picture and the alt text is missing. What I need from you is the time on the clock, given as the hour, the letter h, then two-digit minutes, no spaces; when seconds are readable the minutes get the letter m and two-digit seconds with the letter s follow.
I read 6h14
